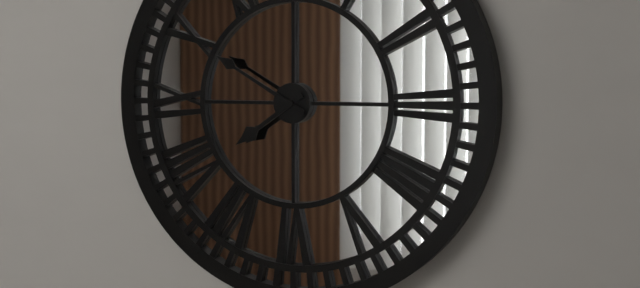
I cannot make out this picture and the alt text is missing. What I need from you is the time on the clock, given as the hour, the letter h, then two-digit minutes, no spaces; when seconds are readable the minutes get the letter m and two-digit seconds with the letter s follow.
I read 7h50
